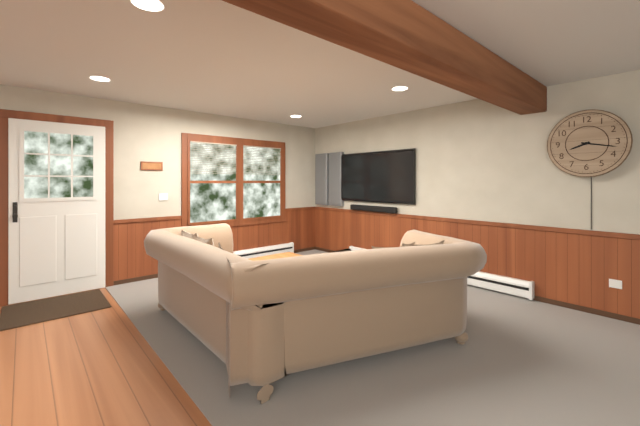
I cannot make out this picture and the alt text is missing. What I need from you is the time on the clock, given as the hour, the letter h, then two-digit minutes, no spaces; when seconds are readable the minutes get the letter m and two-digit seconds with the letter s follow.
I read 8h17
